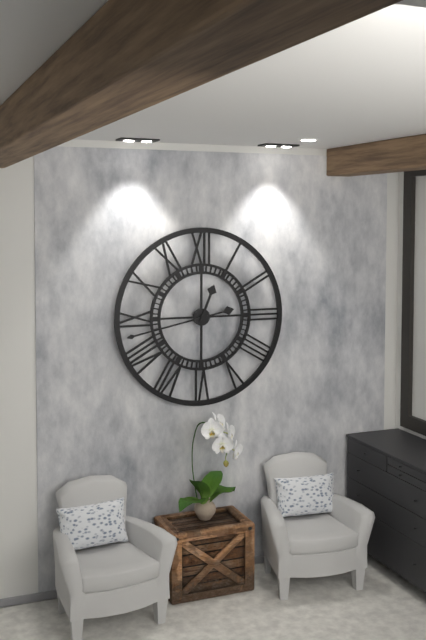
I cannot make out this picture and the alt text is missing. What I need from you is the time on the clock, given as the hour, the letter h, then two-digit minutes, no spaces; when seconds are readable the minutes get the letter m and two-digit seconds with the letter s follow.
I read 12h43
